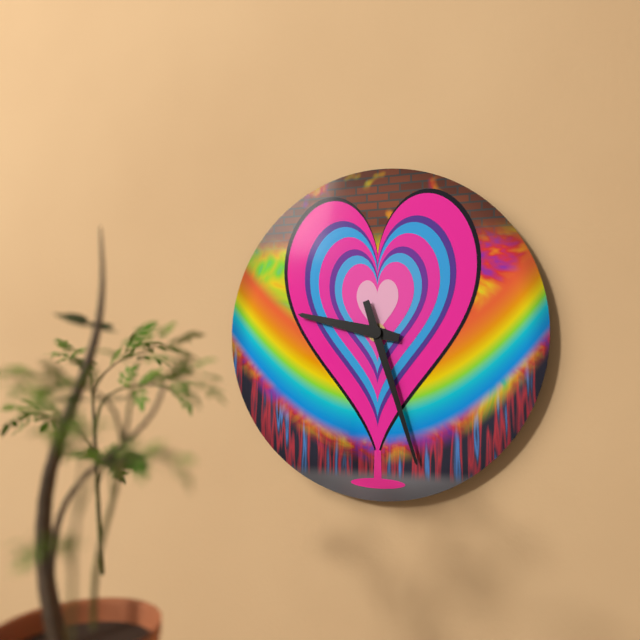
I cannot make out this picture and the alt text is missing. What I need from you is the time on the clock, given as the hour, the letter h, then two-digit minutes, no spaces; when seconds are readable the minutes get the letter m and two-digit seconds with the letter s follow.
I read 9h27
